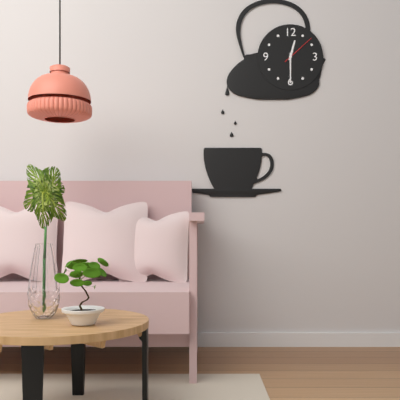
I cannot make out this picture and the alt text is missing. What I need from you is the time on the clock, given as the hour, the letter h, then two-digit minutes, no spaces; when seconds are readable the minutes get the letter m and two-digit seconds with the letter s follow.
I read 12h30
